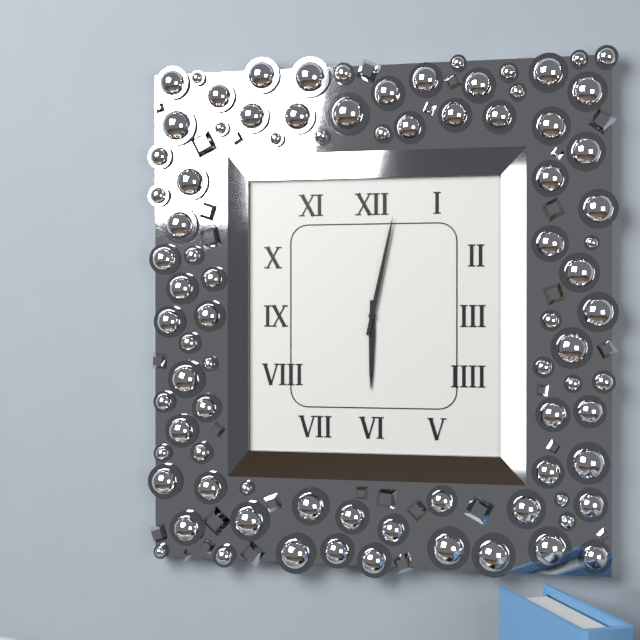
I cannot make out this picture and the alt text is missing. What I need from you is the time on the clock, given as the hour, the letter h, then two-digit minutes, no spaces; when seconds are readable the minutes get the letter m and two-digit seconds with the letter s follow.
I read 6h02
